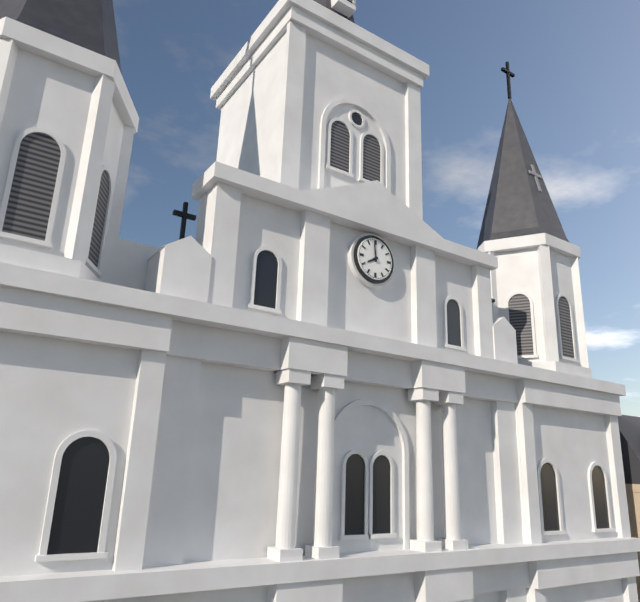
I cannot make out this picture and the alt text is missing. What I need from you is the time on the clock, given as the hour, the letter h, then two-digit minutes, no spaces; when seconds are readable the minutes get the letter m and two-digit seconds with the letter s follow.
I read 7h59
